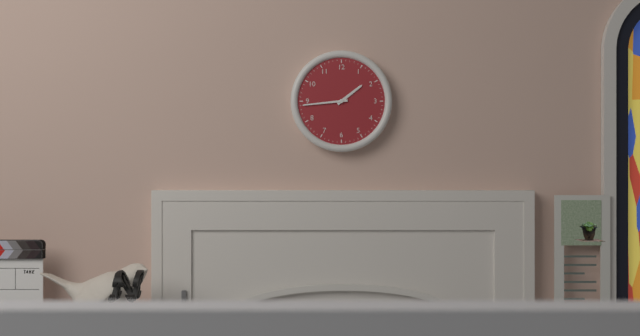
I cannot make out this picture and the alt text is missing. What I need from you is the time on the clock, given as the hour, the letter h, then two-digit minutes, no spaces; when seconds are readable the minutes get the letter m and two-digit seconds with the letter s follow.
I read 1h44
